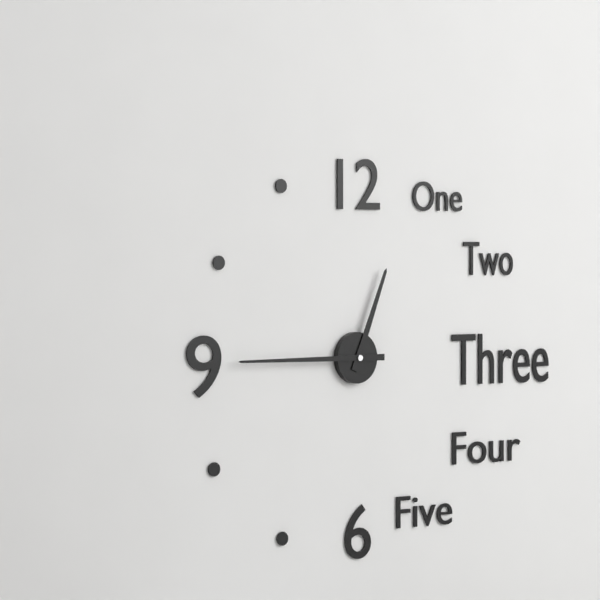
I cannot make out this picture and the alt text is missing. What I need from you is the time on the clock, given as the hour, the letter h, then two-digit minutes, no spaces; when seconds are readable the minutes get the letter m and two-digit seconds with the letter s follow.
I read 12h45
